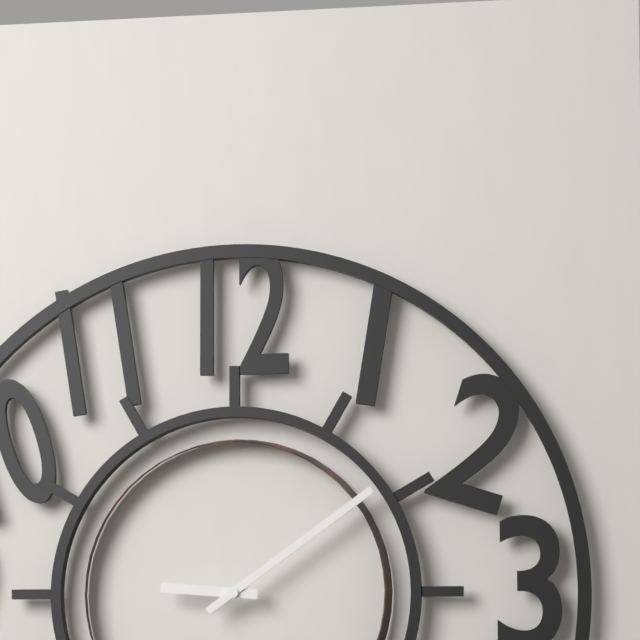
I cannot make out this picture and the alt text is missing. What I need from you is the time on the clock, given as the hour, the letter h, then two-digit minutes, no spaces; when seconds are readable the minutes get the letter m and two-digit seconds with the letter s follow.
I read 9h09
